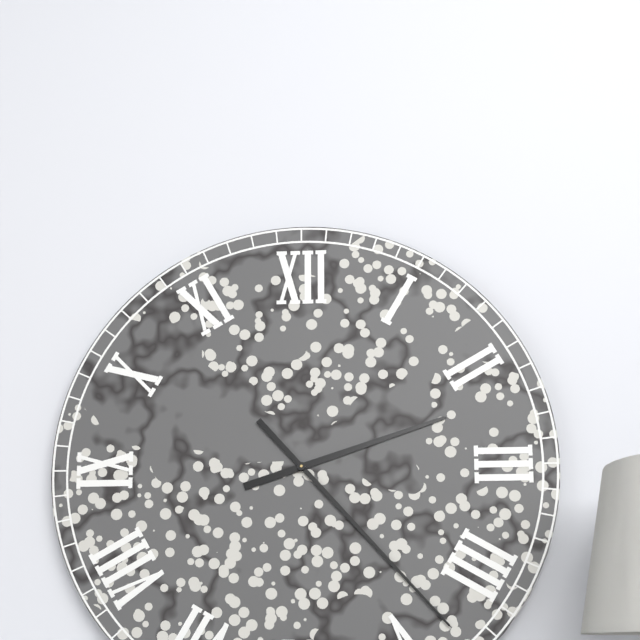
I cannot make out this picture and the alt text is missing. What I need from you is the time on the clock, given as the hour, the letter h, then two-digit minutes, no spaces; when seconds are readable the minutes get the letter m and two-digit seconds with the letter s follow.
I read 2h23
